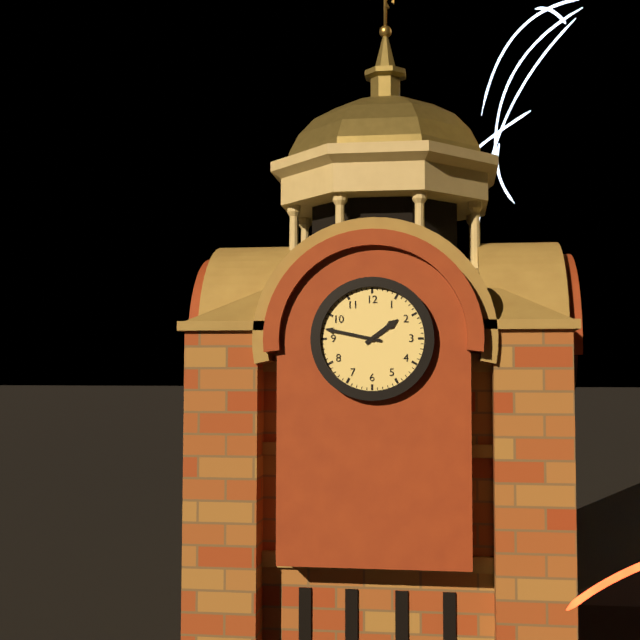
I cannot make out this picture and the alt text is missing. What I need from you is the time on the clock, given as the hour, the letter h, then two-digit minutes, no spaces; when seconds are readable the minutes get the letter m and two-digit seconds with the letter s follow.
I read 1h47
